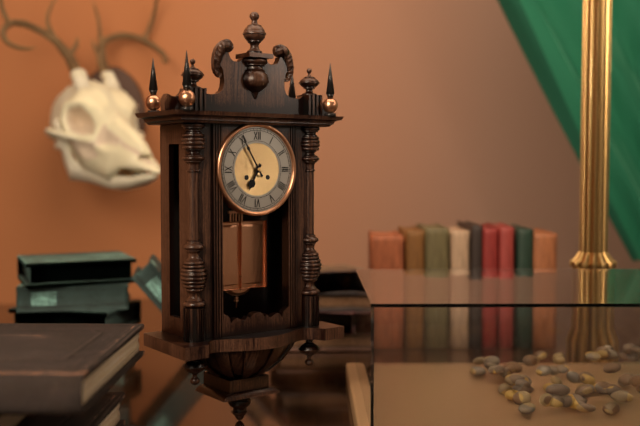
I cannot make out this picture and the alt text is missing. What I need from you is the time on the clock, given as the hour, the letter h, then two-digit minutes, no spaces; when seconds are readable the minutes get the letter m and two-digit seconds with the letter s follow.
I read 6h55
